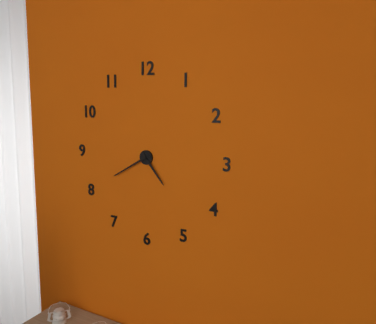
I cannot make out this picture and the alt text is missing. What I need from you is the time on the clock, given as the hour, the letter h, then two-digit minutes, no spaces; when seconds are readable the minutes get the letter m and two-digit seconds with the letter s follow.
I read 4h40
